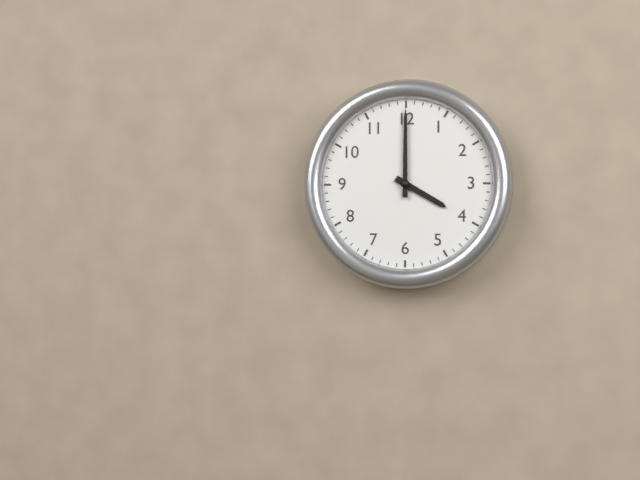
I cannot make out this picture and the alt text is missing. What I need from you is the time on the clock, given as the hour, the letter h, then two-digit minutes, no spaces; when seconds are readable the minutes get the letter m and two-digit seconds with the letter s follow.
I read 4h00
